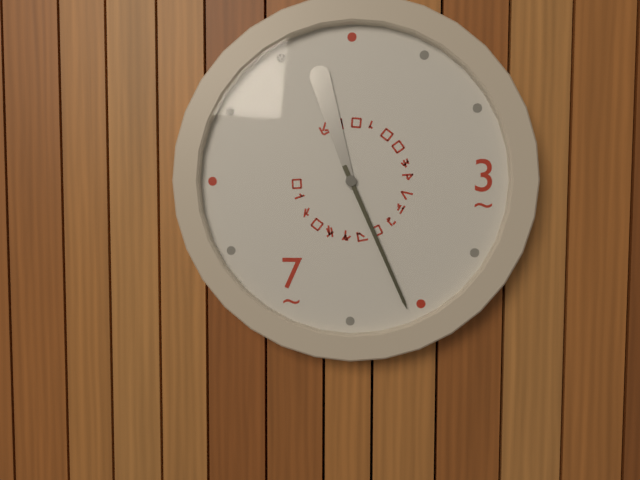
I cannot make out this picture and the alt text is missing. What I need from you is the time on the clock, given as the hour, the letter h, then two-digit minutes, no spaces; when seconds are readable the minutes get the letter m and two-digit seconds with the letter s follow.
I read 11h26
